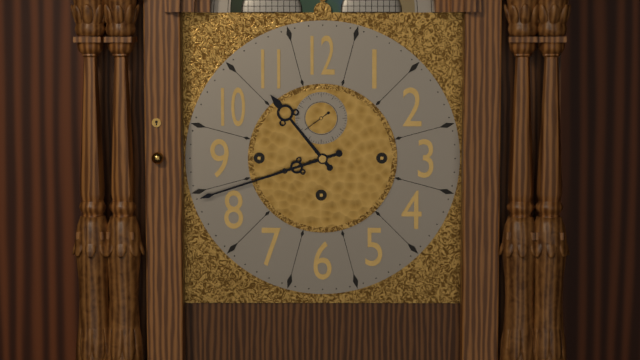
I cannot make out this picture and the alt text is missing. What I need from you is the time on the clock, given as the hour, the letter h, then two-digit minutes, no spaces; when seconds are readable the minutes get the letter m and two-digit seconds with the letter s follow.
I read 10h42
